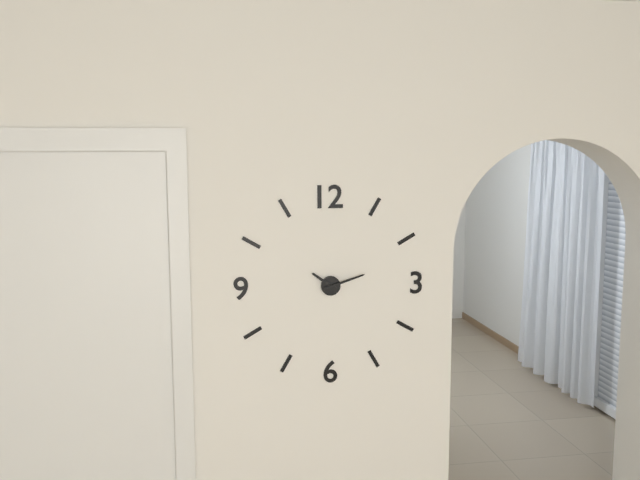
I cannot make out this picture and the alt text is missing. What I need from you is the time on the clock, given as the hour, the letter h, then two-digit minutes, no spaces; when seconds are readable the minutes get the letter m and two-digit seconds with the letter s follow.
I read 10h12
